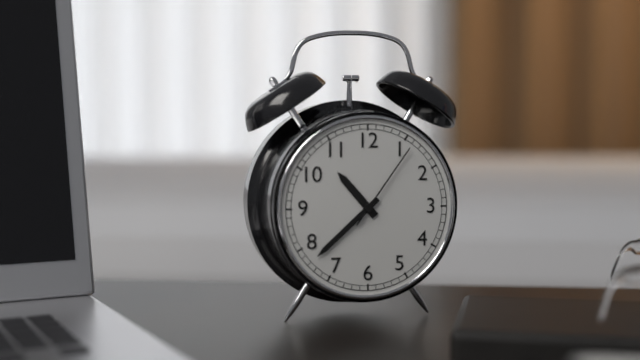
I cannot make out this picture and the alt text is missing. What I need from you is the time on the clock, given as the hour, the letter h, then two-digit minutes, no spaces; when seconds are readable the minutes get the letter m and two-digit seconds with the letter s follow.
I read 10h38m06s
